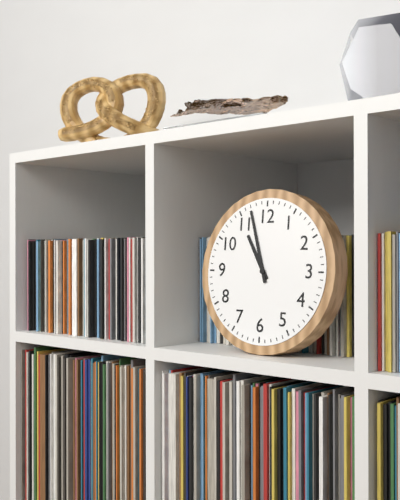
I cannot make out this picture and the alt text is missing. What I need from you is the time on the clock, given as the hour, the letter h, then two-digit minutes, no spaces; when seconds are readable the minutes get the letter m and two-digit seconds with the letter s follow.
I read 10h57
